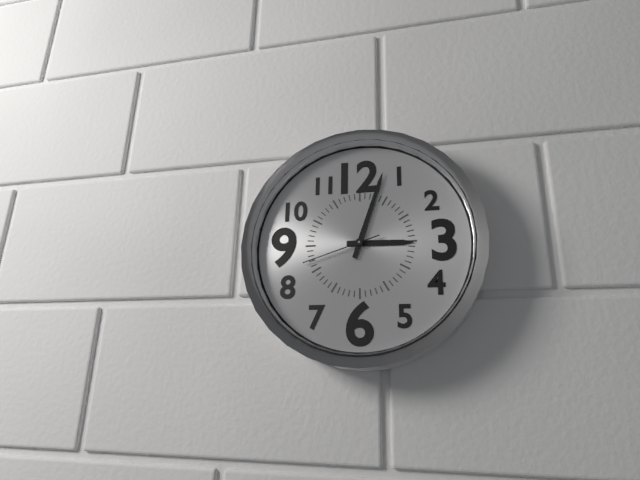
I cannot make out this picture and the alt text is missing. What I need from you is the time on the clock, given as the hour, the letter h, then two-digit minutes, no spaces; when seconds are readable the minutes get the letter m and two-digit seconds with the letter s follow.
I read 3h03m42s
